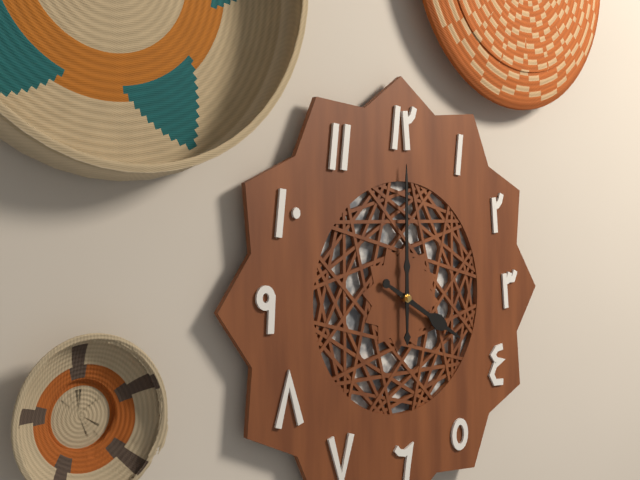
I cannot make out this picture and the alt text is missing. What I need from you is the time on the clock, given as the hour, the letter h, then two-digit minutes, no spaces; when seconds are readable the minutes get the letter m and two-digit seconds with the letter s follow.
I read 4h00
